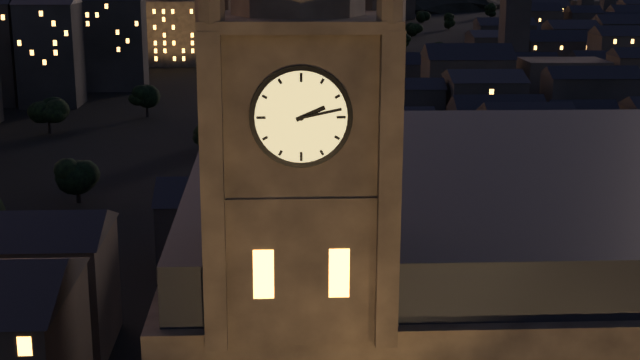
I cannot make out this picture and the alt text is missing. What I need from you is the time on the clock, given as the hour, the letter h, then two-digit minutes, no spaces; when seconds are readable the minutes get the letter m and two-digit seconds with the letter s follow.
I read 2h13
